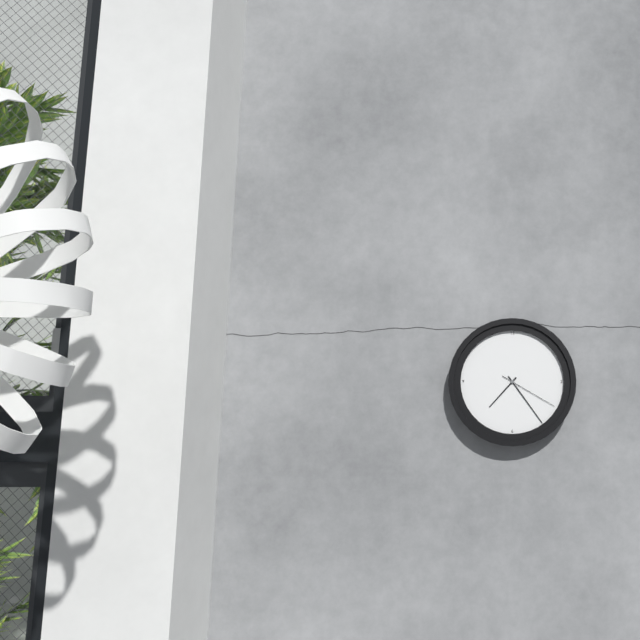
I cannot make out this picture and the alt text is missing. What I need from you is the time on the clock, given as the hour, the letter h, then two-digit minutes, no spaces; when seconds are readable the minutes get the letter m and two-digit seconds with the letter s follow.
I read 7h24m20s
